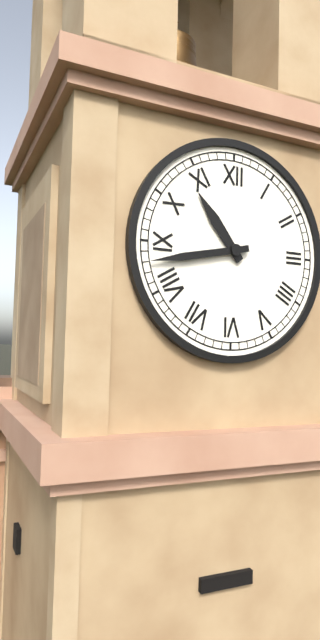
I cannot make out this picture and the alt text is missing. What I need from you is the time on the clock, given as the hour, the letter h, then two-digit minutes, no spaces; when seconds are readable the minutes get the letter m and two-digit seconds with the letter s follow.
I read 10h43
